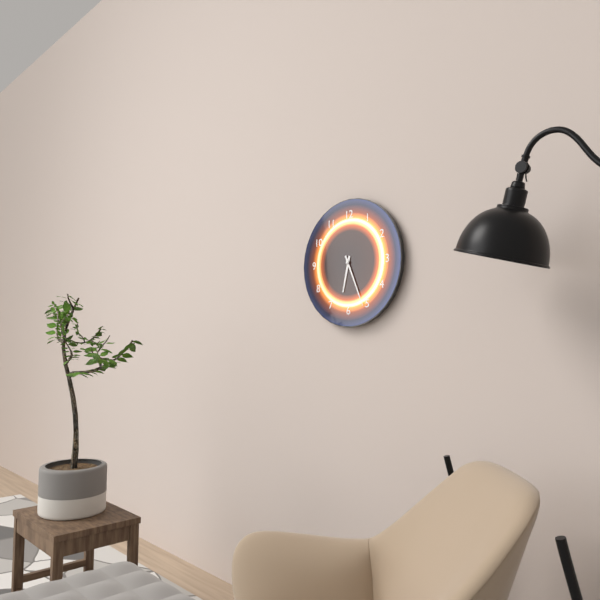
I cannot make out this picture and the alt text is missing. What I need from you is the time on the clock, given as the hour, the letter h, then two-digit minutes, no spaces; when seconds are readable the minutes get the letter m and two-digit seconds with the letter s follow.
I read 6h26
